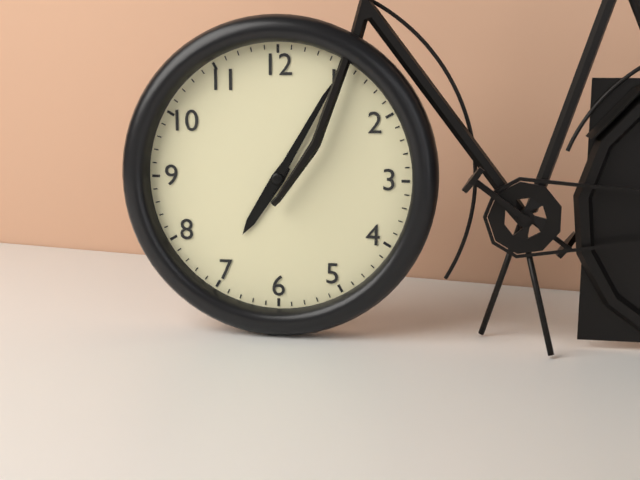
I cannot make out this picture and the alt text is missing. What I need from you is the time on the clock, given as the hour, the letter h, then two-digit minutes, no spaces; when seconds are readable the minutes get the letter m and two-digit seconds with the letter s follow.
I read 7h05
